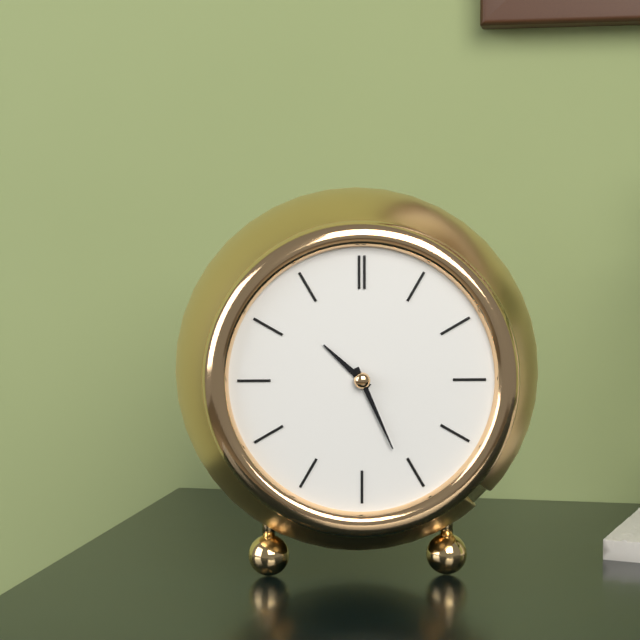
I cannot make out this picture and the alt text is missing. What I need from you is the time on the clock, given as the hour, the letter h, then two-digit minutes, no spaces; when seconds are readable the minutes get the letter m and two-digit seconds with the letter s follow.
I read 10h26
